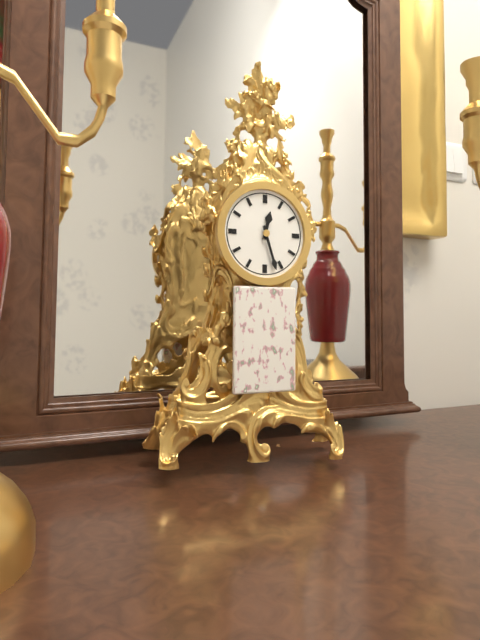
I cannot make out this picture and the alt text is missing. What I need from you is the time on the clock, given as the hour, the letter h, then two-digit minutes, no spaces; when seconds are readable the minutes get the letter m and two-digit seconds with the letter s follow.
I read 12h27
